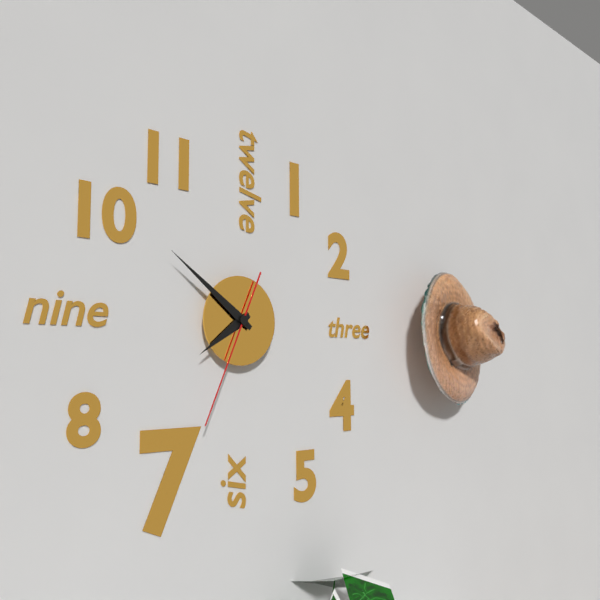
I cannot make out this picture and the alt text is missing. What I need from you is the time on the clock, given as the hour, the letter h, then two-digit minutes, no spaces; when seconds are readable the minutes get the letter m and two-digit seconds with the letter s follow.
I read 7h51m34s
